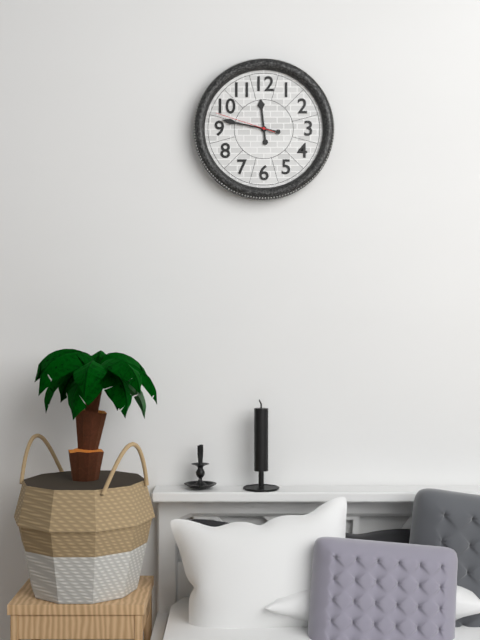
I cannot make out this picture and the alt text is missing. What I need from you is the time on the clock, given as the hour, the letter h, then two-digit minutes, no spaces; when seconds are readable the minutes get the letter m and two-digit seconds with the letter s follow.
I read 11h47m48s
